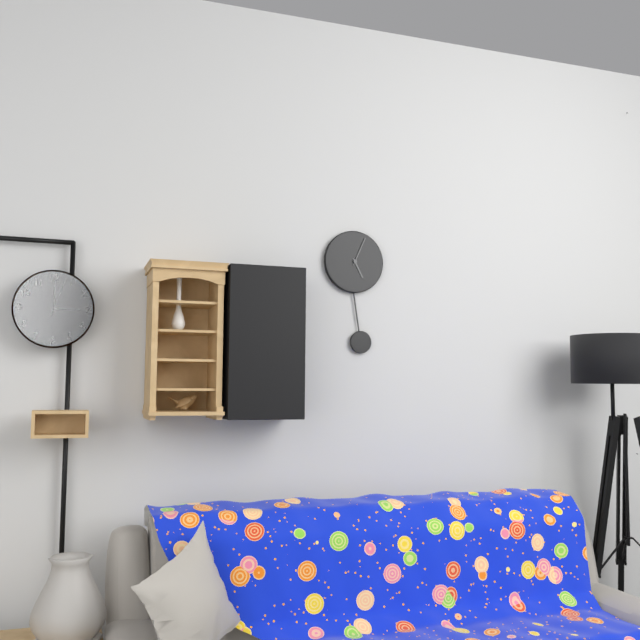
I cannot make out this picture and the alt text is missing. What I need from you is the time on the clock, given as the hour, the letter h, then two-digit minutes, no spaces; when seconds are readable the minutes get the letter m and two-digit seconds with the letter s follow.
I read 5h04
